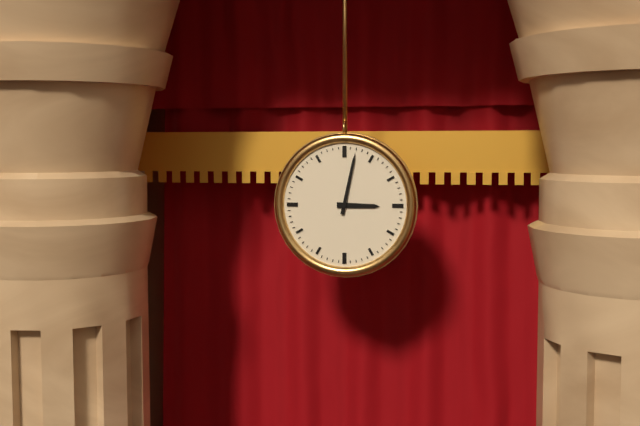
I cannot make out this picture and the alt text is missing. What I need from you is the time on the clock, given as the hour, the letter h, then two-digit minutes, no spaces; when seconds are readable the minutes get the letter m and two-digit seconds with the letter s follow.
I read 3h02
